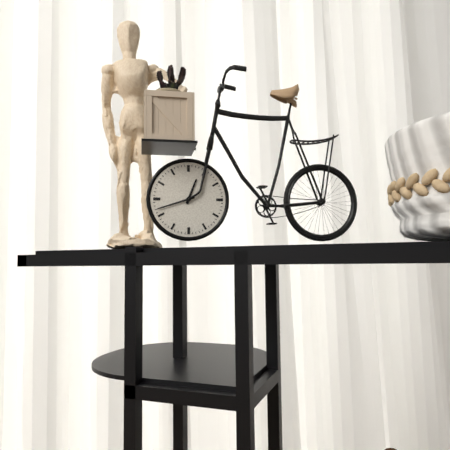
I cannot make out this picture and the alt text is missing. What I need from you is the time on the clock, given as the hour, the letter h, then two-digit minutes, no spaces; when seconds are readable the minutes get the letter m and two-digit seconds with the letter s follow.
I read 12h42
